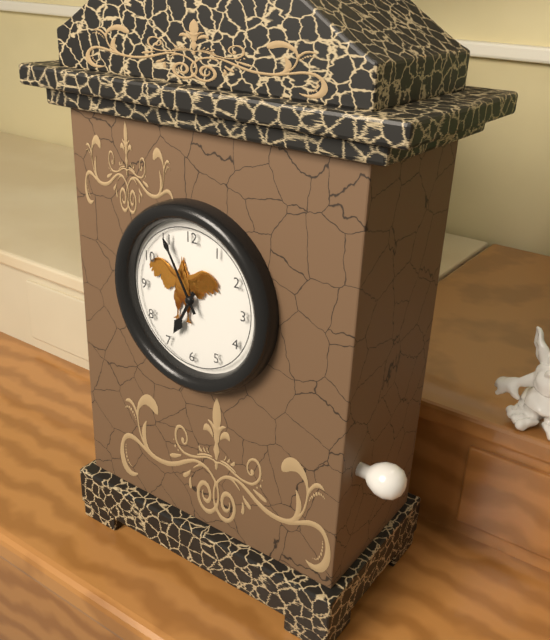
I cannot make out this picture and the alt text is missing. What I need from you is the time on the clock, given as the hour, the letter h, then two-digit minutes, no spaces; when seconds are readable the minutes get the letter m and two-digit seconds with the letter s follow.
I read 6h55
